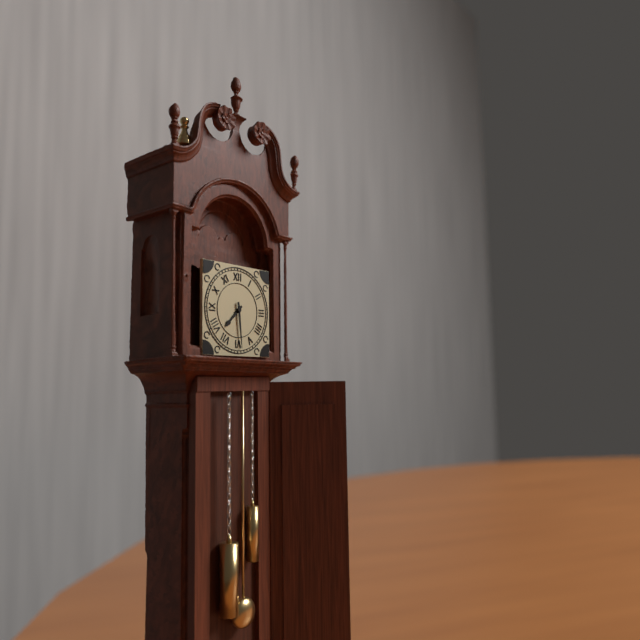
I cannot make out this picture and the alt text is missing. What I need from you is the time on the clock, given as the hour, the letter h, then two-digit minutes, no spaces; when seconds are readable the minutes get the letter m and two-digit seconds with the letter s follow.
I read 7h29
